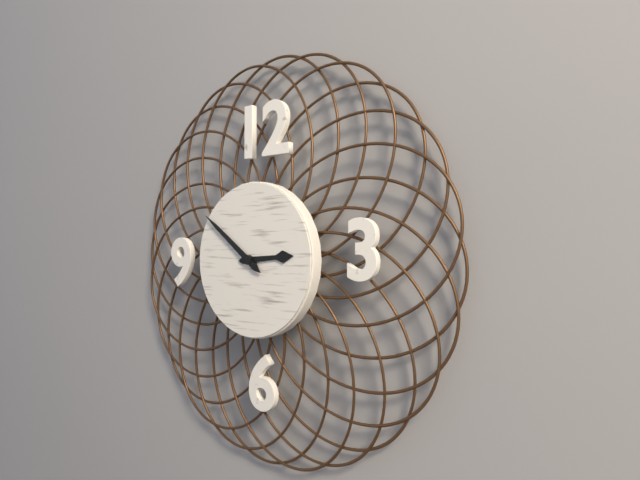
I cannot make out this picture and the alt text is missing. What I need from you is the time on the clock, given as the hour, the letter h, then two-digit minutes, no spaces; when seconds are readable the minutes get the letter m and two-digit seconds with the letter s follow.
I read 2h51
